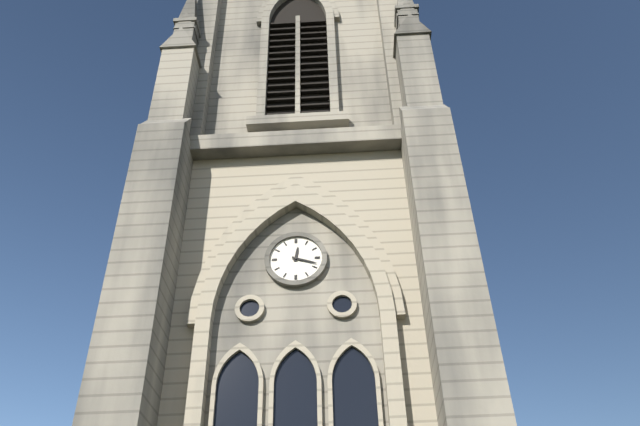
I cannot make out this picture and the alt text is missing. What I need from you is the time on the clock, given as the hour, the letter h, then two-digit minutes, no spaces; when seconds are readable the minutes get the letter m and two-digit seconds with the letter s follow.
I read 12h18
